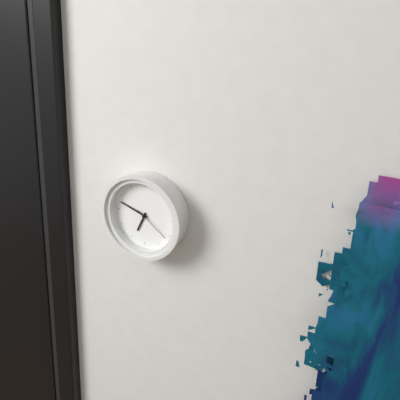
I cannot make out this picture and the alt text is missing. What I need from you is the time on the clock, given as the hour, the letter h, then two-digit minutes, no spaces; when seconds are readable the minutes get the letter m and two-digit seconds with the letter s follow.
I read 6h48
